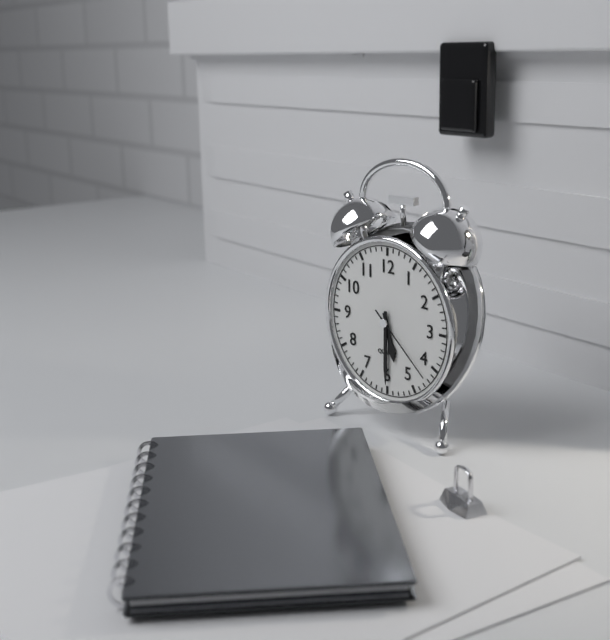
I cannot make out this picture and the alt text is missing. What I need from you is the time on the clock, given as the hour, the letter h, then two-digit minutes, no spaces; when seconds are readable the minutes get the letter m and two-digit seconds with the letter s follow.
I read 5h30m22s
